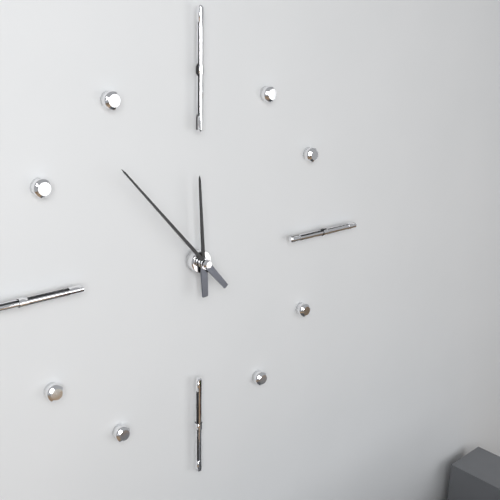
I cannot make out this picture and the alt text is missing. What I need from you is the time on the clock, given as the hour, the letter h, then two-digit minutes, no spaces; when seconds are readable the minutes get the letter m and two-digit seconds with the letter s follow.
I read 11h53
